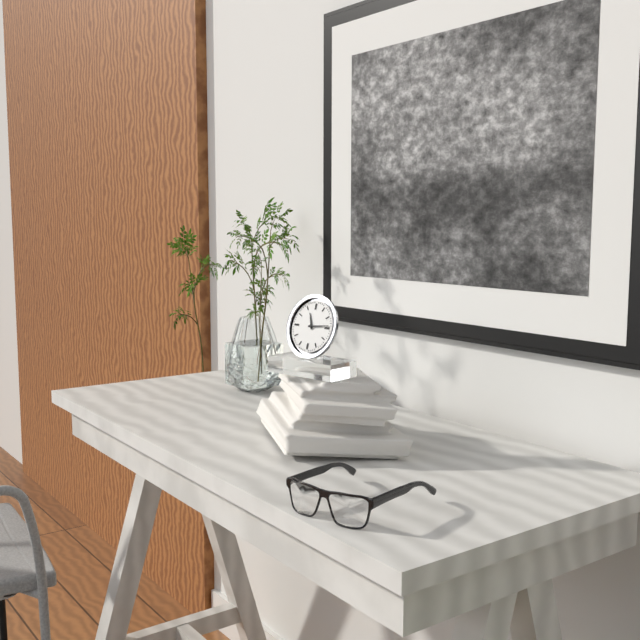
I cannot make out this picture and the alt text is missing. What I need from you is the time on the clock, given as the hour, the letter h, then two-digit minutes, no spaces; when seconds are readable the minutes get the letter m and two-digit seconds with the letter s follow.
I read 11h14
